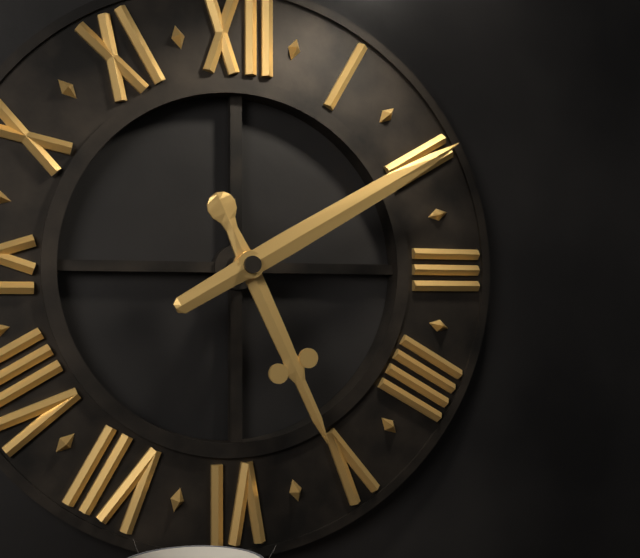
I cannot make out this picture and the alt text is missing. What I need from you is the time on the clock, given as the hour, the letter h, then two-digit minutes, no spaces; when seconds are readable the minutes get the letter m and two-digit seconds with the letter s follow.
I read 5h10
